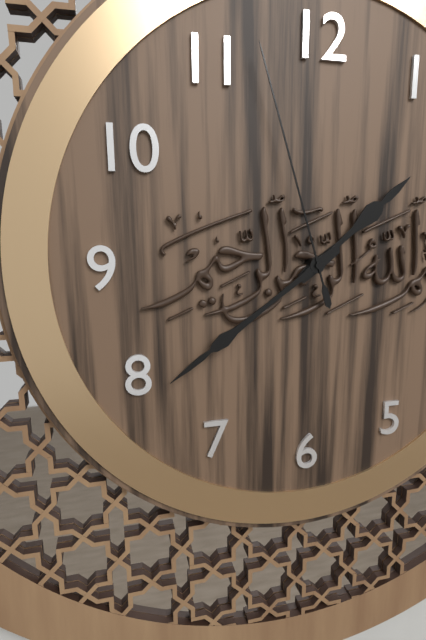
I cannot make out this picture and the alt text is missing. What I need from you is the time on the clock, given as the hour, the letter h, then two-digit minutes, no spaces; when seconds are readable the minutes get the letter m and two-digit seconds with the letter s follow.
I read 1h39m57s
